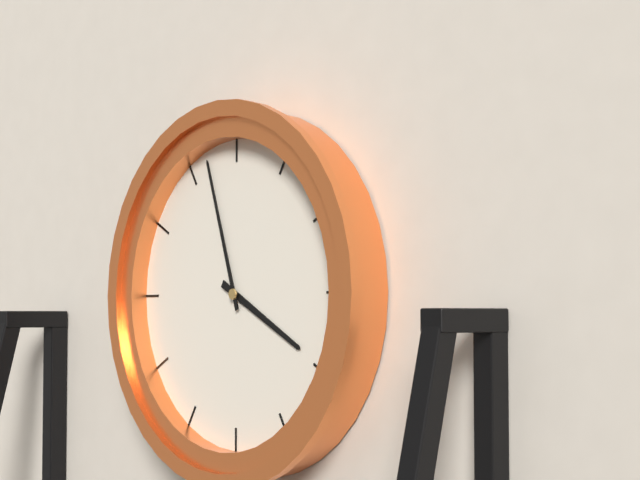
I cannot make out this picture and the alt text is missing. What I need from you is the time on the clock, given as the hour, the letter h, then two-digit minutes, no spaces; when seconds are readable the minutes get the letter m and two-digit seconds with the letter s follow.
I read 3h57
